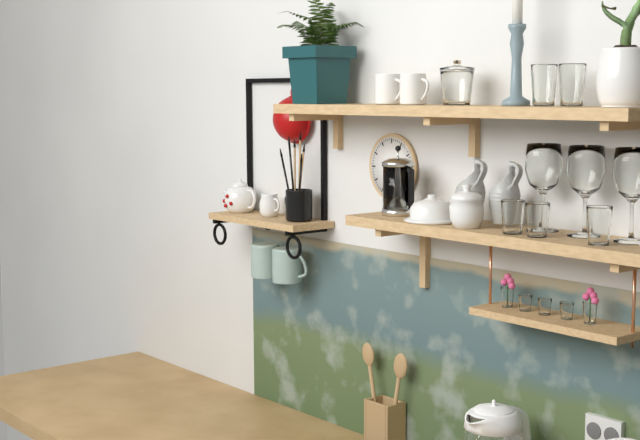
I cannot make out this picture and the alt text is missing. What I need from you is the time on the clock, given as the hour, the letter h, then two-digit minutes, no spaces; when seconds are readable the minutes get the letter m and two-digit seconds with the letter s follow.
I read 4h31
